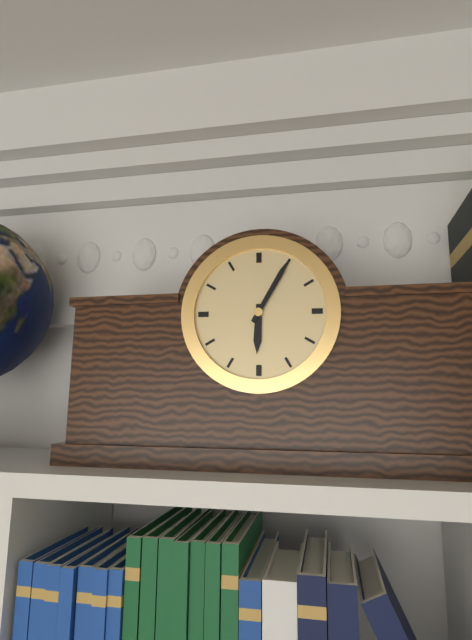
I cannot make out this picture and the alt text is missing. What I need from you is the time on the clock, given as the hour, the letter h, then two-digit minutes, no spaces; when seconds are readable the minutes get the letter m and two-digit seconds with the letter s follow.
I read 6h05
